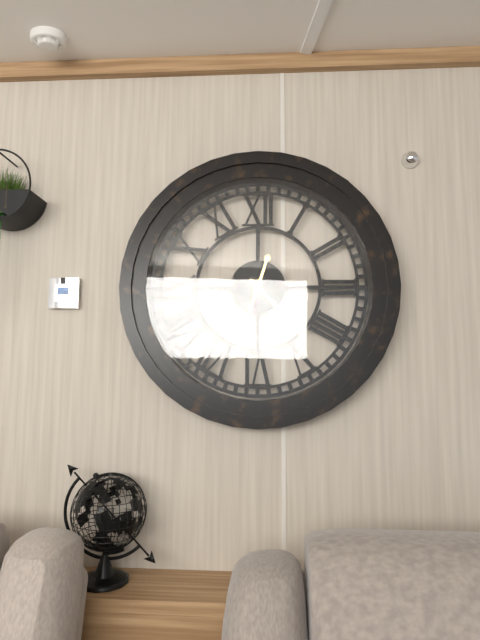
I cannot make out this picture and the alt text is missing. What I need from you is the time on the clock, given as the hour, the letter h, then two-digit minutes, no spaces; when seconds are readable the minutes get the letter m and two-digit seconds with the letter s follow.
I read 4h33
